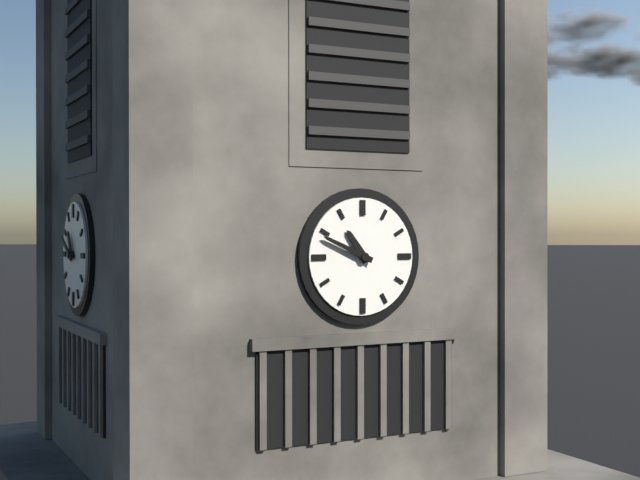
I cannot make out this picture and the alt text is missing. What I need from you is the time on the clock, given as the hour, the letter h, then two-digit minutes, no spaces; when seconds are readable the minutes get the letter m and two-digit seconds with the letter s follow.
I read 10h49
